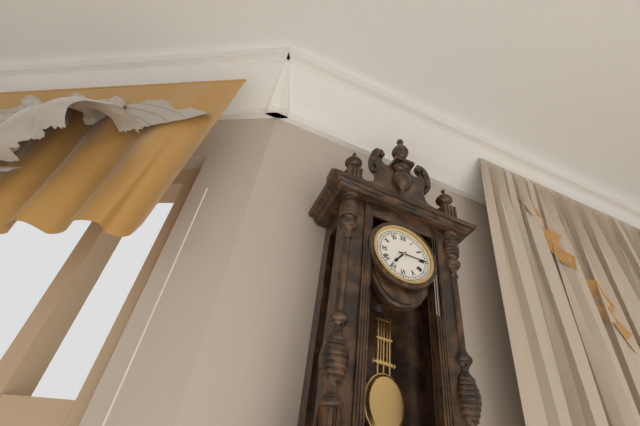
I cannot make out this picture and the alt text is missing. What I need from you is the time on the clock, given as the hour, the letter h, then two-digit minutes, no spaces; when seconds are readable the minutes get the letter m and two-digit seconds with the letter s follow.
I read 7h15
